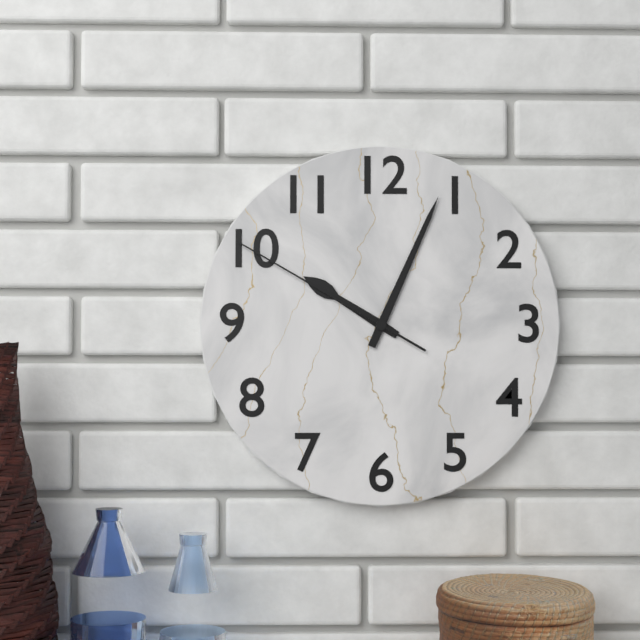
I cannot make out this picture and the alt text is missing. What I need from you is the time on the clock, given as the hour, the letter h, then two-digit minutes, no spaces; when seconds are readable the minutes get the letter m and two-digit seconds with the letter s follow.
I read 10h04m50s
